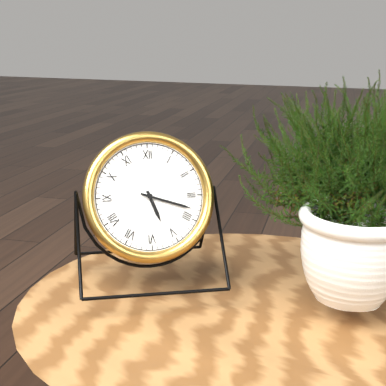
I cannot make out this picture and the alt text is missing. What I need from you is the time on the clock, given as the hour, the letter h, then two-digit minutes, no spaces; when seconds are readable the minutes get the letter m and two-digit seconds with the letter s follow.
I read 5h18
